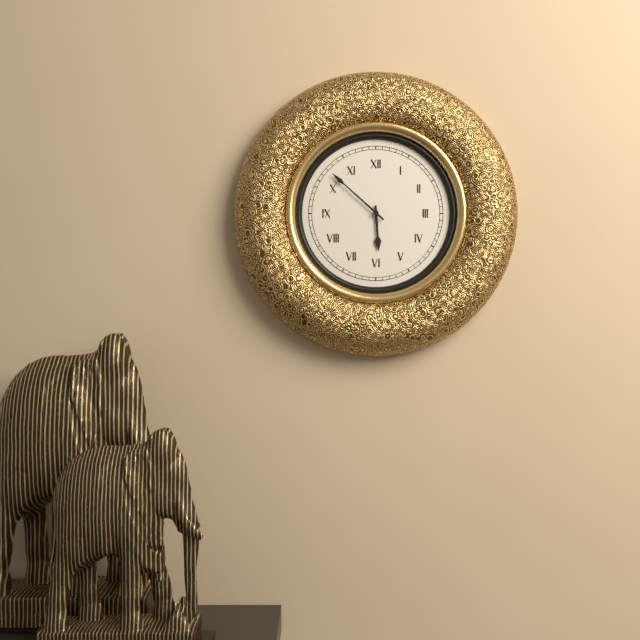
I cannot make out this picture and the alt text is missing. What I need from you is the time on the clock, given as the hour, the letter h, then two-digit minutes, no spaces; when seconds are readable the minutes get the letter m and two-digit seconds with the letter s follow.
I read 5h52
